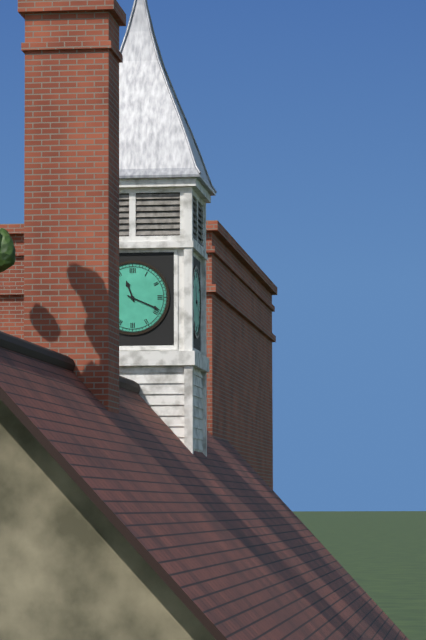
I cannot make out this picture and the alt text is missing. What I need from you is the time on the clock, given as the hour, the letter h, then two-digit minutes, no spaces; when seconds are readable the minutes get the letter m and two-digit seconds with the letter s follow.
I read 11h19
